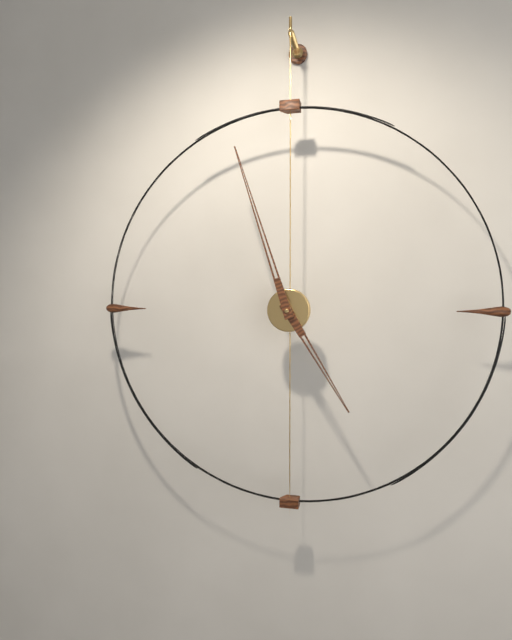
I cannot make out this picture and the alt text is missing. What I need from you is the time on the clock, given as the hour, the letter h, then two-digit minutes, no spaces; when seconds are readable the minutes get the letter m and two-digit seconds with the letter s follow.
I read 4h57
